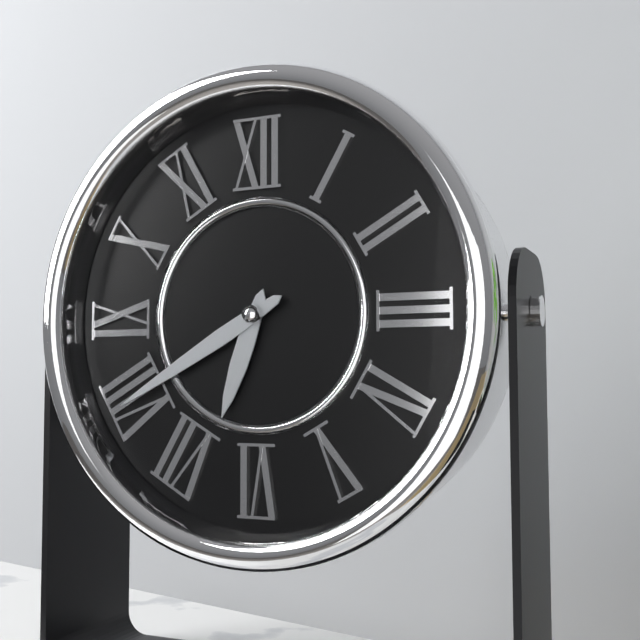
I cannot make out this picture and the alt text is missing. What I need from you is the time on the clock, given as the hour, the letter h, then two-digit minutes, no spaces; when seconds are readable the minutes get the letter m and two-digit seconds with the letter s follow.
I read 6h40
